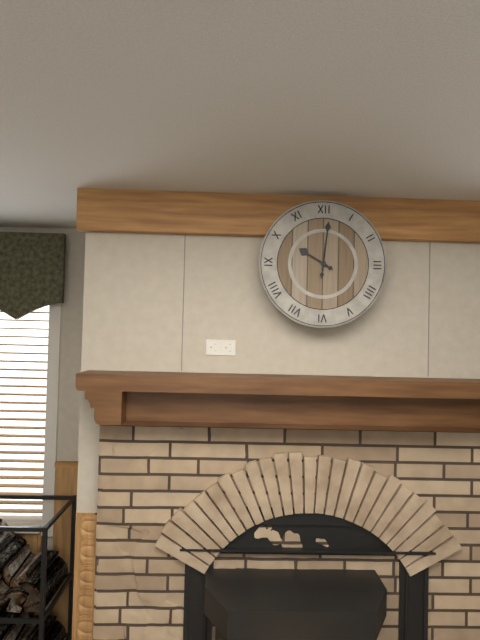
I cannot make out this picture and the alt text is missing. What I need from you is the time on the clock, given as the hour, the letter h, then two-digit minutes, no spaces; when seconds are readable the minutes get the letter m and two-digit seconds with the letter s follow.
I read 10h01
